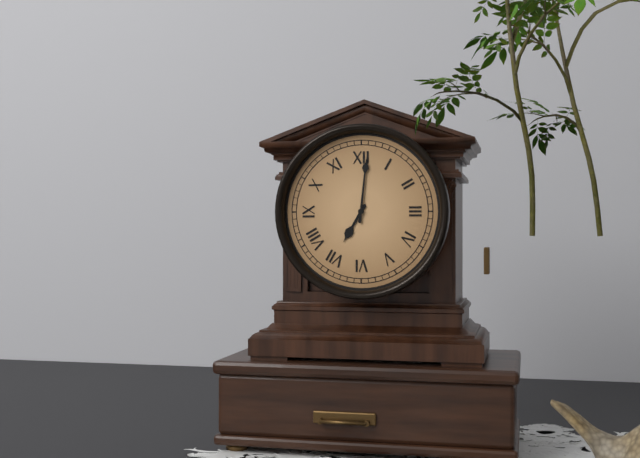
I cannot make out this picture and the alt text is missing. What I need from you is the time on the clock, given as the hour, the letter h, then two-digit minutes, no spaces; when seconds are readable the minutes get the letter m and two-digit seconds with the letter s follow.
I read 7h01
